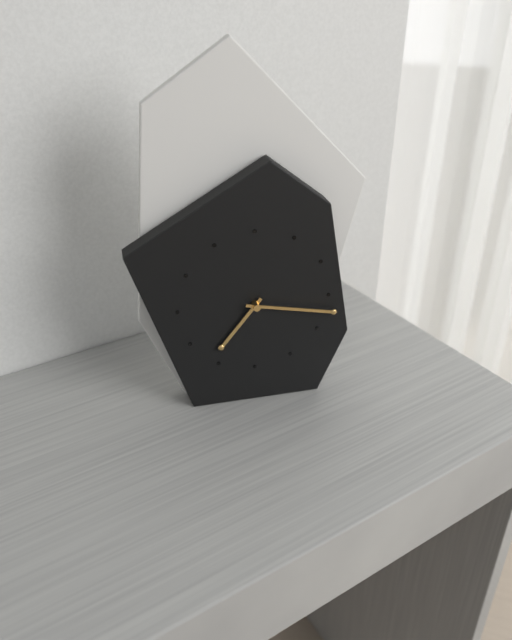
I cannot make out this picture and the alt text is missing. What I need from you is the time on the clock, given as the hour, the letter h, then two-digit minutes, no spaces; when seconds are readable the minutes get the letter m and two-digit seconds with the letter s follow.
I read 7h17
